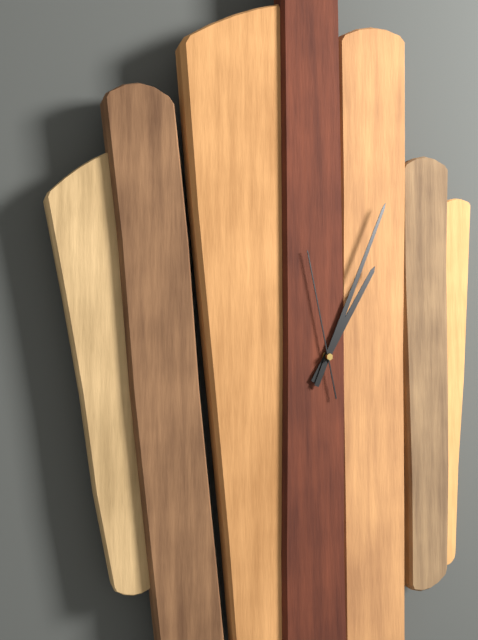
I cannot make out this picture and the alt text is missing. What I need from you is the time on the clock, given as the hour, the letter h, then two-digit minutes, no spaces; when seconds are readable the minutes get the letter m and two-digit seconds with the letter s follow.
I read 1h04m58s
